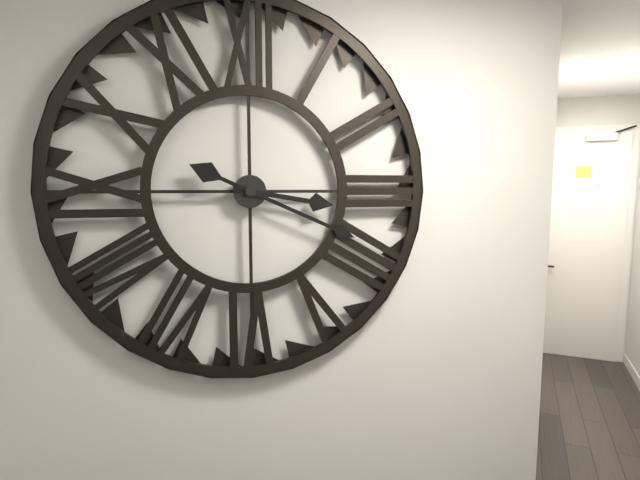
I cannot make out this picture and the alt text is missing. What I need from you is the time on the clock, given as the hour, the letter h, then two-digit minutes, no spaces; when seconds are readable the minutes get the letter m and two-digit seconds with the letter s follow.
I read 3h19
